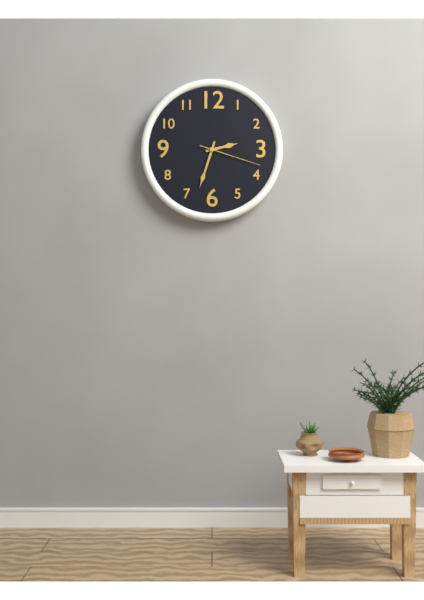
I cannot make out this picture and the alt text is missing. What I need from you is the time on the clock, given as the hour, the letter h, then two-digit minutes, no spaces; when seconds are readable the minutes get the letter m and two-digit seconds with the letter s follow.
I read 2h33m18s
